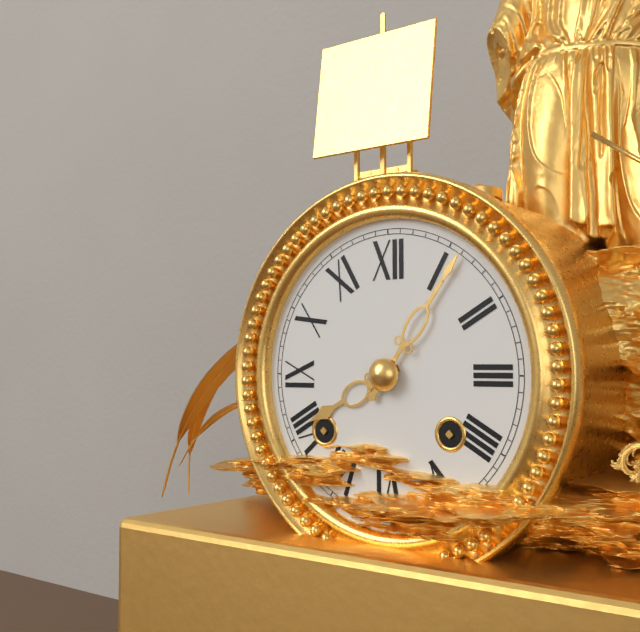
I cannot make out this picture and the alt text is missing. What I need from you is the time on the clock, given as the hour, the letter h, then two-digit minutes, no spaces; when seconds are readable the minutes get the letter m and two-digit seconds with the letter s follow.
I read 8h06
